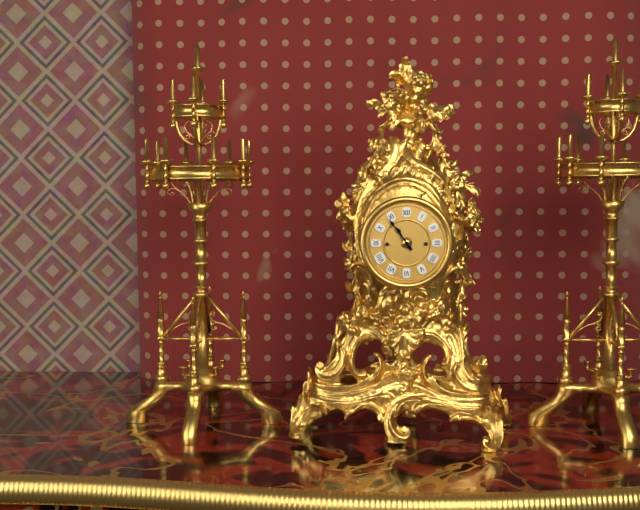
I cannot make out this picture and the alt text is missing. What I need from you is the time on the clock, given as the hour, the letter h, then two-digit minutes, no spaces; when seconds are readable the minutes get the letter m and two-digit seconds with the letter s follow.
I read 10h54
